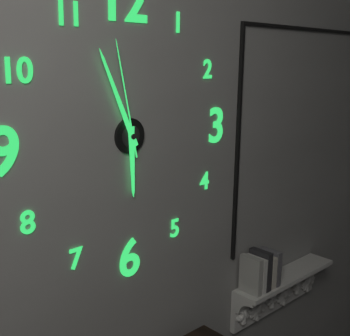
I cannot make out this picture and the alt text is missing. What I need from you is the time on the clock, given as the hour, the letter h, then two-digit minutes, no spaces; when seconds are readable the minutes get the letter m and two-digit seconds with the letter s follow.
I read 5h56m58s
